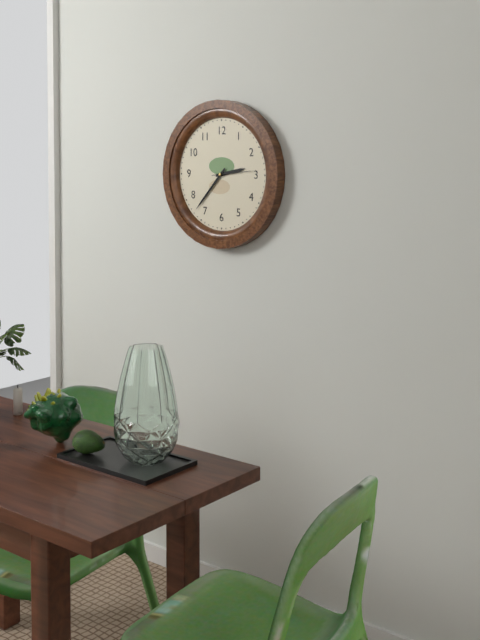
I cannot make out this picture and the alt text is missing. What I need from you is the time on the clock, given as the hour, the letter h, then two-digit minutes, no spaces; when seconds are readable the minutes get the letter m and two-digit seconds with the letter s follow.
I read 2h37
